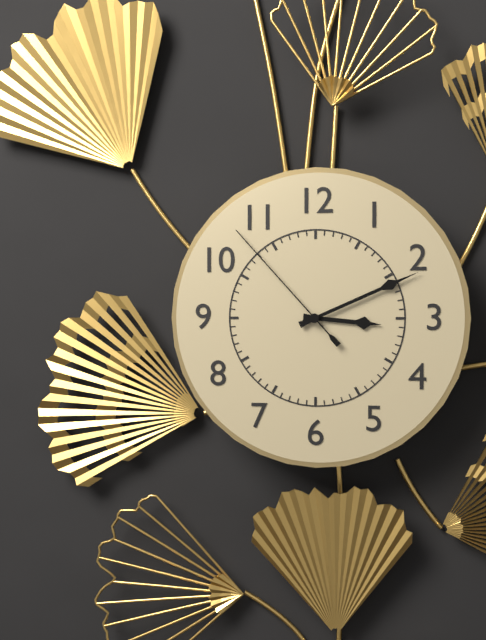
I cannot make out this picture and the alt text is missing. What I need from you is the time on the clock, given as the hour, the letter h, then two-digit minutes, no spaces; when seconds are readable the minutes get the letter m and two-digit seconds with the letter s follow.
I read 3h11m53s
